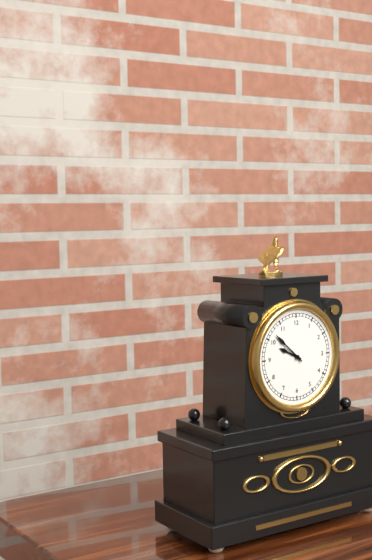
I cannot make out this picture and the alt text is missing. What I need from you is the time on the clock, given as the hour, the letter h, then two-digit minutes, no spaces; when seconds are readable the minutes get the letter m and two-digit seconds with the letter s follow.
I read 9h52
